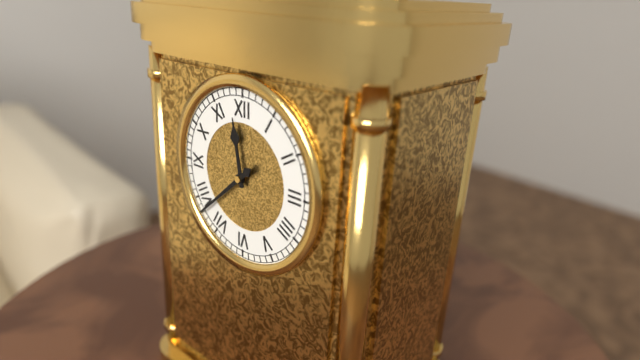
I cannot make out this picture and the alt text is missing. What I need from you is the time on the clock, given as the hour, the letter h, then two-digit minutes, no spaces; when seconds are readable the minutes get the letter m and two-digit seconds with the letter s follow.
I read 11h38
